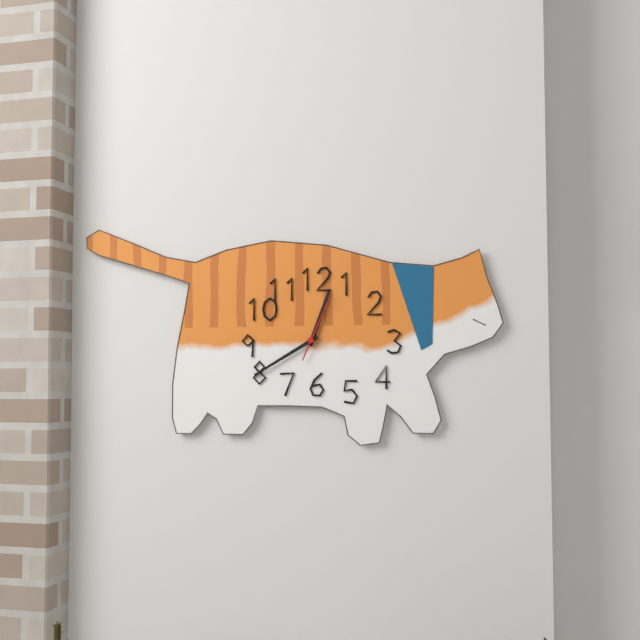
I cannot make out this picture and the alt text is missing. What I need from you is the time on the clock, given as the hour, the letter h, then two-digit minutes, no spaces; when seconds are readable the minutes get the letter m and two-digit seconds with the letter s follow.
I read 12h40m04s
